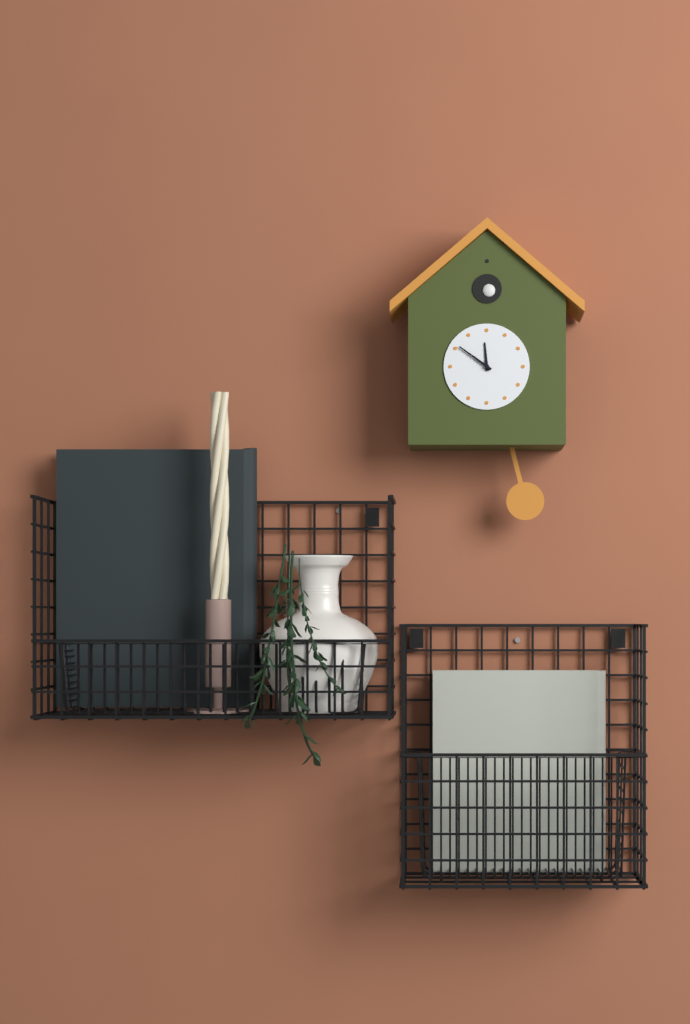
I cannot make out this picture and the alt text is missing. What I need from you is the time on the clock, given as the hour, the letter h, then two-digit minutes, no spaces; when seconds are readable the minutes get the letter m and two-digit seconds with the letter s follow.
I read 11h51
